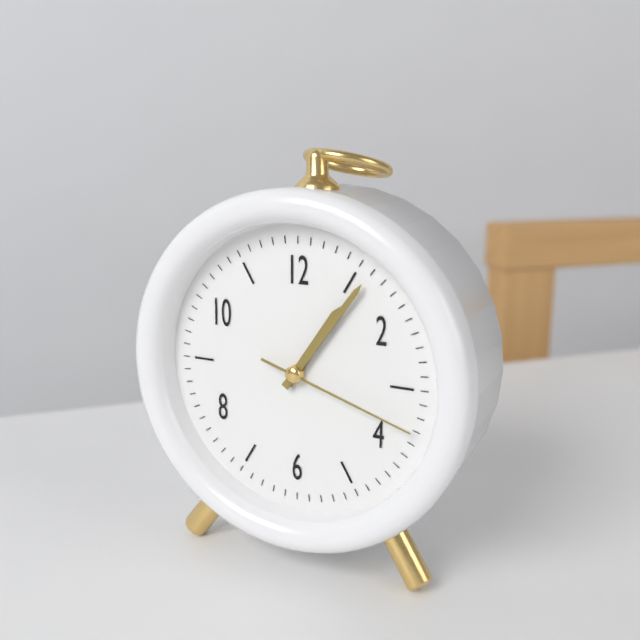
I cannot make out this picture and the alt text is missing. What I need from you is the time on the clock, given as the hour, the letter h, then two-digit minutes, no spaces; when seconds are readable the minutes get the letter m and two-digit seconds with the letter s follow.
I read 1h06m18s
